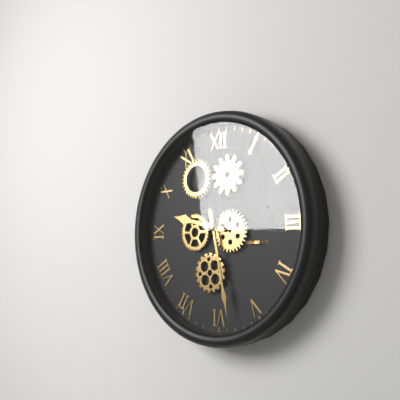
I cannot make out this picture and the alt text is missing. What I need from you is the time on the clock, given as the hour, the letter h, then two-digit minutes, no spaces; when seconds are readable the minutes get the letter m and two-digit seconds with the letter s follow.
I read 9h28
